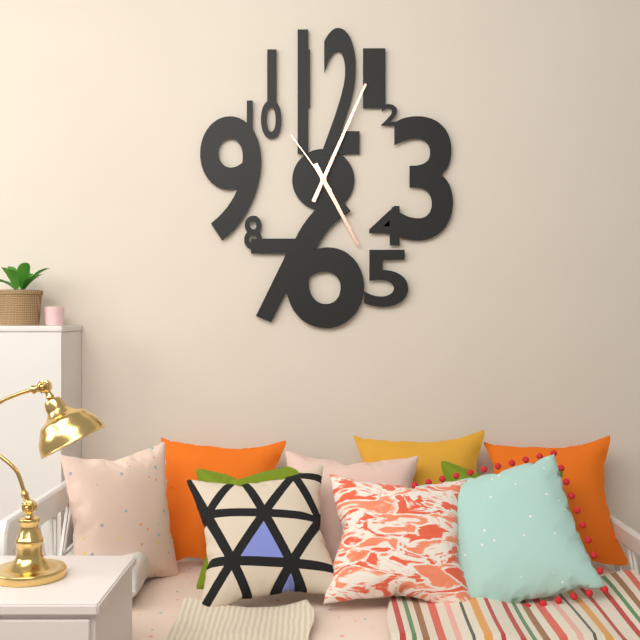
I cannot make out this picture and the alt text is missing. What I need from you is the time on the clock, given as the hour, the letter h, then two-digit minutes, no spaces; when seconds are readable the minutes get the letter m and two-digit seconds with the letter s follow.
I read 5h04m54s
